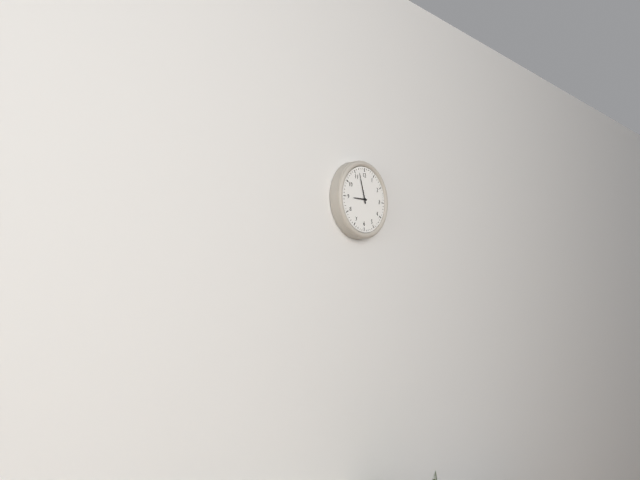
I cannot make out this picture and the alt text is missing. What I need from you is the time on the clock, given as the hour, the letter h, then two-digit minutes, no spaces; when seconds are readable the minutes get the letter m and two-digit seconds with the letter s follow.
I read 8h57
